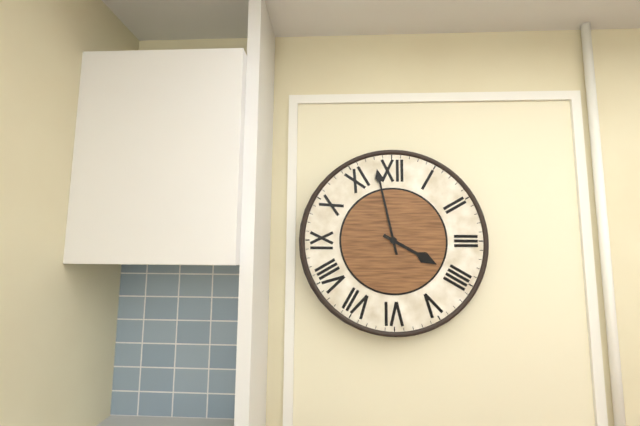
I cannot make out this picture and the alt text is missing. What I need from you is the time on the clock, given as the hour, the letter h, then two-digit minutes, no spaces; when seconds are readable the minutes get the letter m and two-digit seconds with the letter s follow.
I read 3h58
